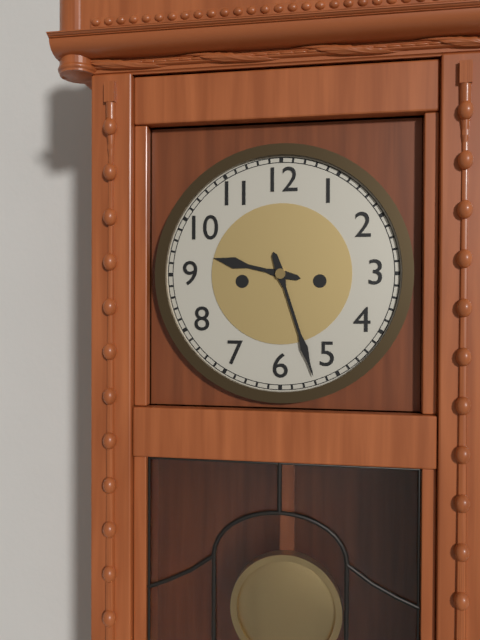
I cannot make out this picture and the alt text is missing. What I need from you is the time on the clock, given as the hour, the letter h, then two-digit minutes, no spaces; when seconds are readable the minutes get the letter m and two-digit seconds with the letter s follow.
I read 9h27
